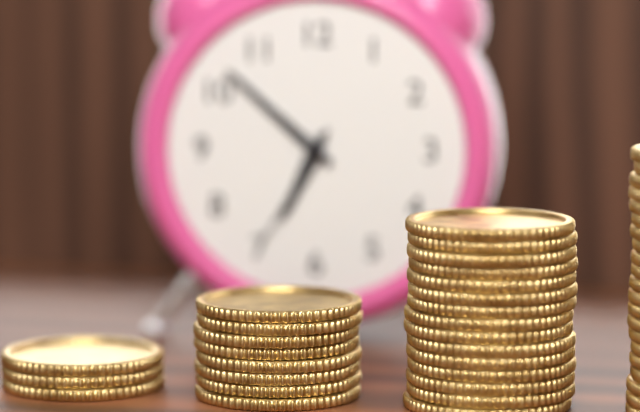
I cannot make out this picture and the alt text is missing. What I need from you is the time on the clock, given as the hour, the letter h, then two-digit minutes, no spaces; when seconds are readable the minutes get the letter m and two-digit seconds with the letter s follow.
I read 6h52m35s
